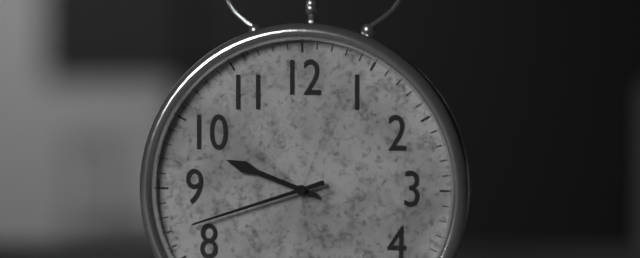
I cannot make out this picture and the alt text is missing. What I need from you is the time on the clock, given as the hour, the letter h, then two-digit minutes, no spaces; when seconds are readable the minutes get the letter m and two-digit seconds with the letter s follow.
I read 9h42
